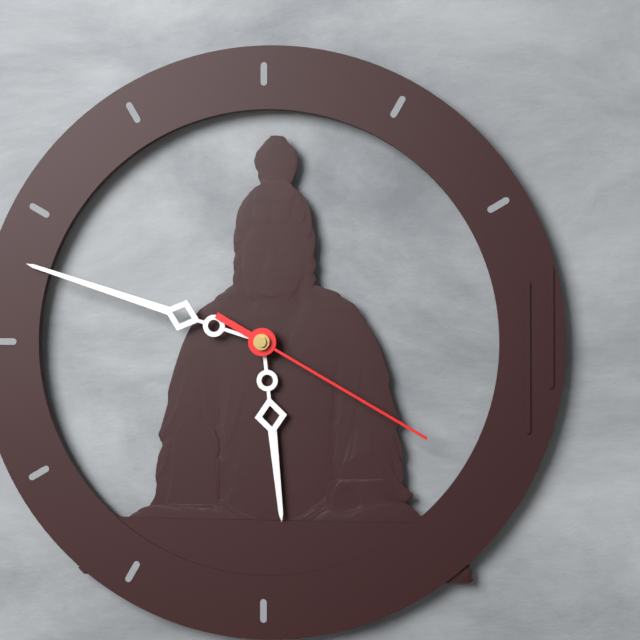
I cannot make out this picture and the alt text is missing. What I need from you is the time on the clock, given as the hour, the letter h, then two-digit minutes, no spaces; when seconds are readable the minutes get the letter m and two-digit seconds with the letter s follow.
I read 5h48m20s
